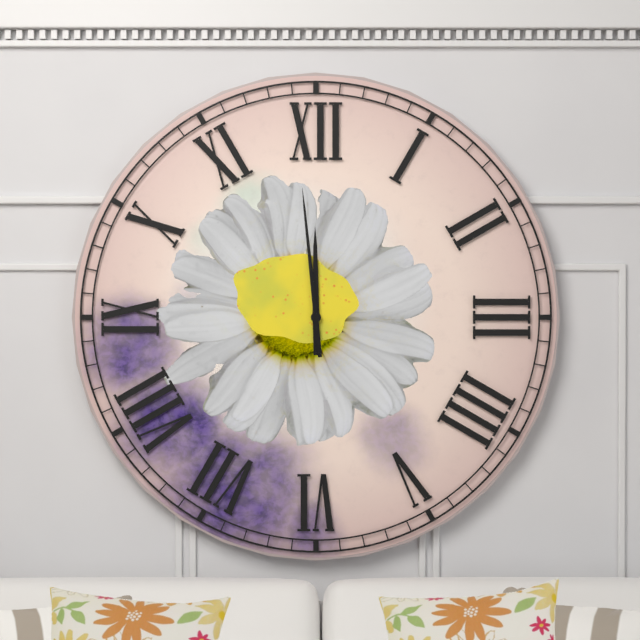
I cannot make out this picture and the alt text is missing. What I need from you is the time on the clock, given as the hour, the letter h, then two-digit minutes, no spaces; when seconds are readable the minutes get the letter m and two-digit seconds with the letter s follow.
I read 11h59
